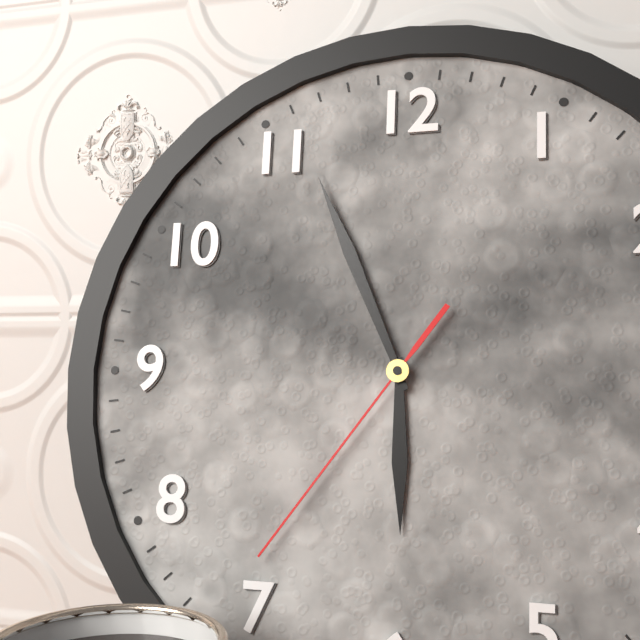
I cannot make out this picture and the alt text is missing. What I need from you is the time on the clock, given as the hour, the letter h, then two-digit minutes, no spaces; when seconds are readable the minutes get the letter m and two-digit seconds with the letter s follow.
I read 5h56m36s
